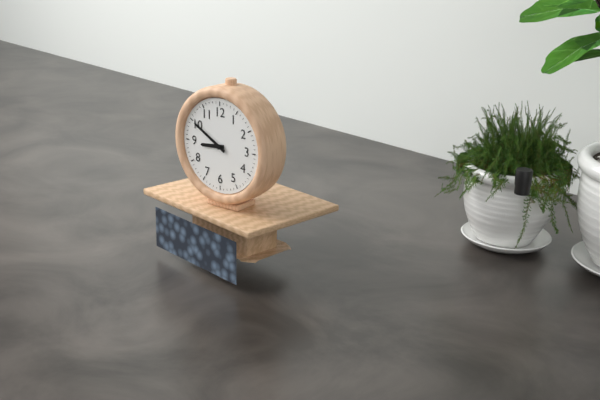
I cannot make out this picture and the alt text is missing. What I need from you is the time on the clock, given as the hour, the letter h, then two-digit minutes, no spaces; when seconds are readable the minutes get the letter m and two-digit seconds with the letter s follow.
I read 8h50
